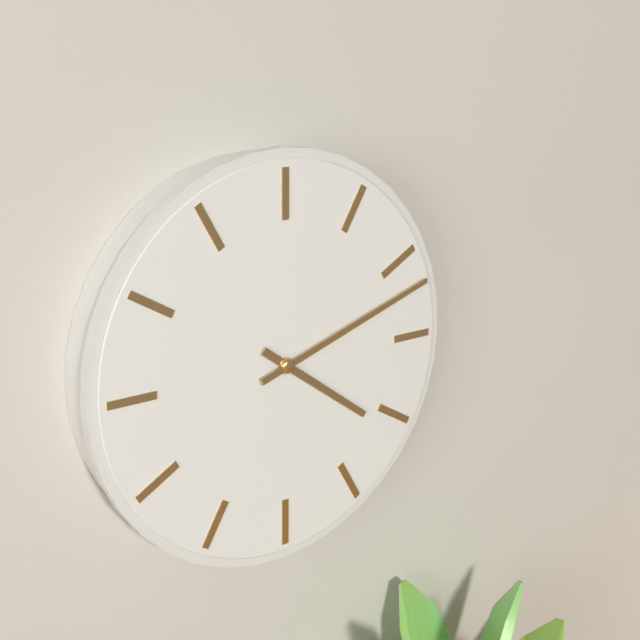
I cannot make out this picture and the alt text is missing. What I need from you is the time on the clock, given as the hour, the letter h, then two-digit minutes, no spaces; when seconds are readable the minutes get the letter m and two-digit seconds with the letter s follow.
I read 4h12
